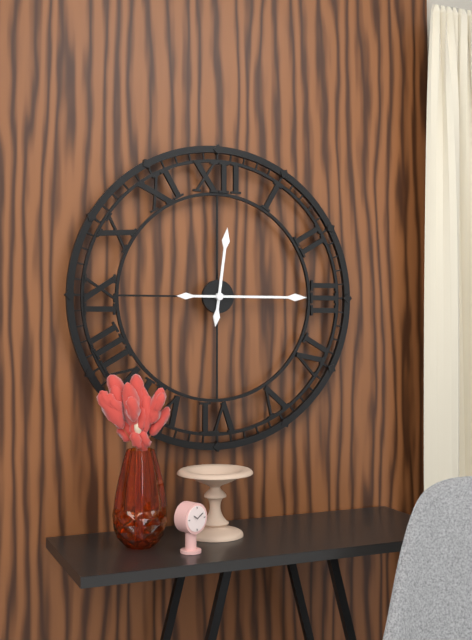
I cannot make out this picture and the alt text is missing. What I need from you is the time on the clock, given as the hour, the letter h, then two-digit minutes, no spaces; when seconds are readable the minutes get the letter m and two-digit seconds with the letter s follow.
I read 12h15
